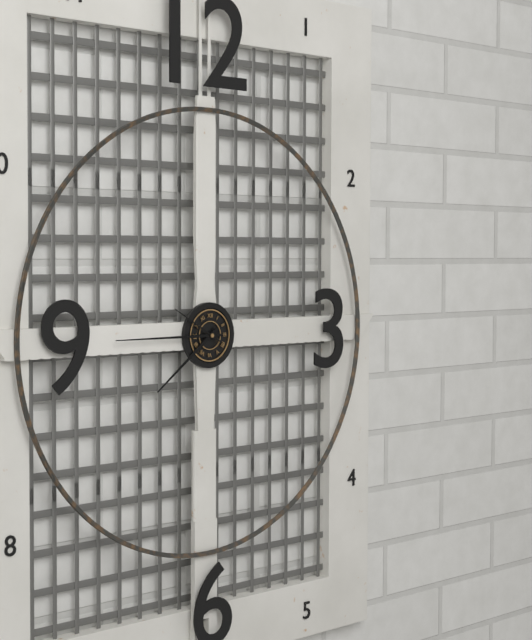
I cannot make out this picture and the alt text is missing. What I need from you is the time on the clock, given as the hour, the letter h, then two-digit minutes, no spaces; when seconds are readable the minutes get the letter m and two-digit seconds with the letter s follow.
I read 7h45
